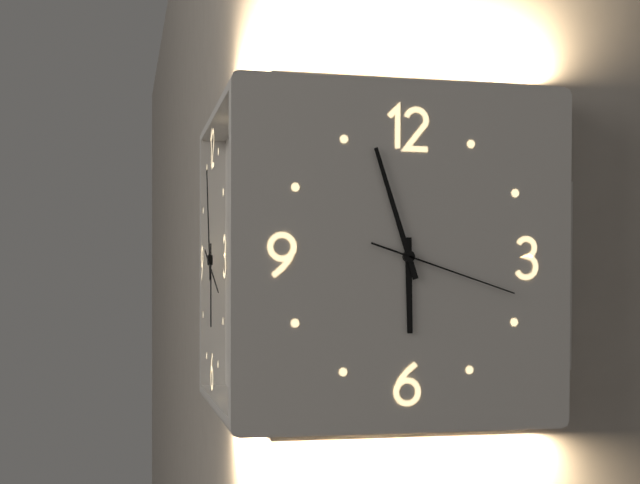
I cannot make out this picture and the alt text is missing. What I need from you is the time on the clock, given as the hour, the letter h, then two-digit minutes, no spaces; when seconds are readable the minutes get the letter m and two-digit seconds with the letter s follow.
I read 5h57m18s
